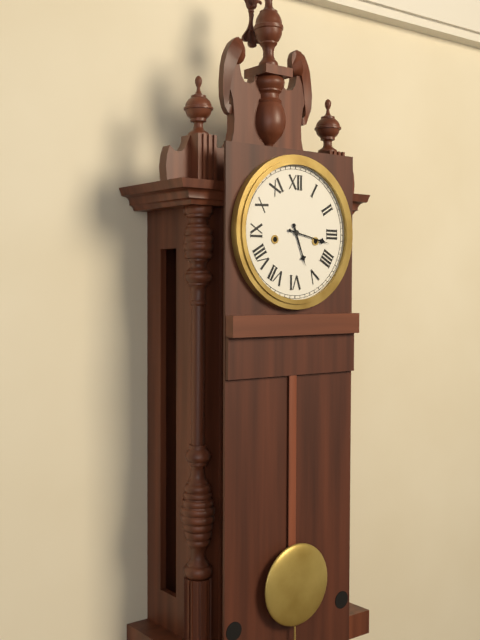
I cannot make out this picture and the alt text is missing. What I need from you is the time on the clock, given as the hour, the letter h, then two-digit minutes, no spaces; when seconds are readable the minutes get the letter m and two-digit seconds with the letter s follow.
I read 5h17
